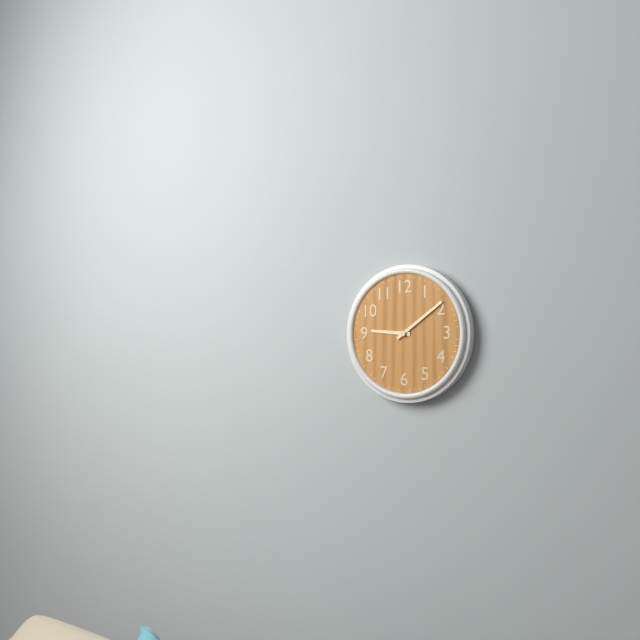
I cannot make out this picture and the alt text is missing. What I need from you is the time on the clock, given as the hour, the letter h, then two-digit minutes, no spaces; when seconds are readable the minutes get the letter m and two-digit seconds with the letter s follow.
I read 9h09
